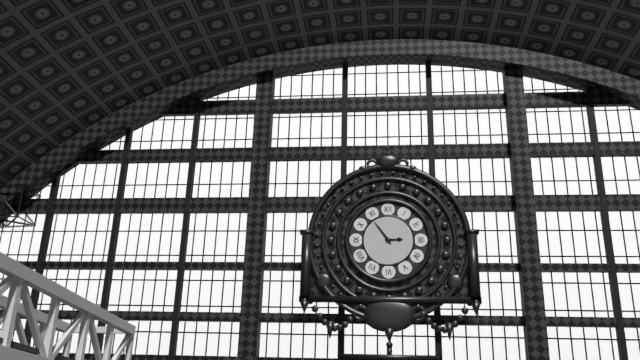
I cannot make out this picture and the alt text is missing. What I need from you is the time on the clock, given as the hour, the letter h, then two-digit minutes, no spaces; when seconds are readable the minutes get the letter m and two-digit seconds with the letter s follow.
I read 2h54
